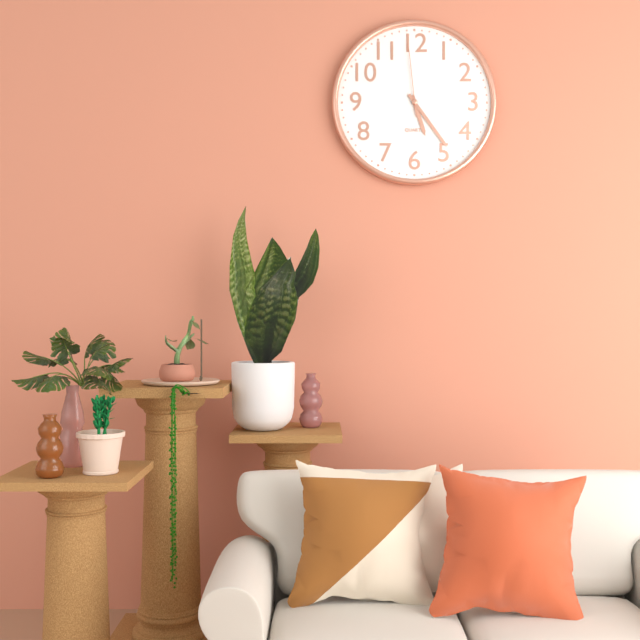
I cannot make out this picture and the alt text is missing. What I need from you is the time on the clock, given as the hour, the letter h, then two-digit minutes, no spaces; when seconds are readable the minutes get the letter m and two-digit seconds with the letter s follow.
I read 5h24m59s
